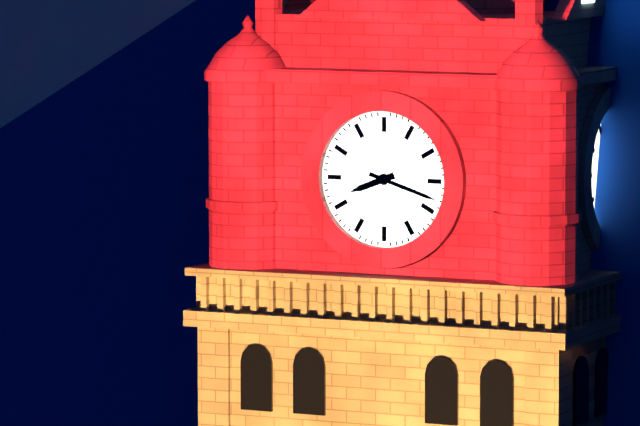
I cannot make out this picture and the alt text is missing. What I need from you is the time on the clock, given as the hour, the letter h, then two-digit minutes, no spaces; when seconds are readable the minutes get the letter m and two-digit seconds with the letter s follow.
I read 8h18
